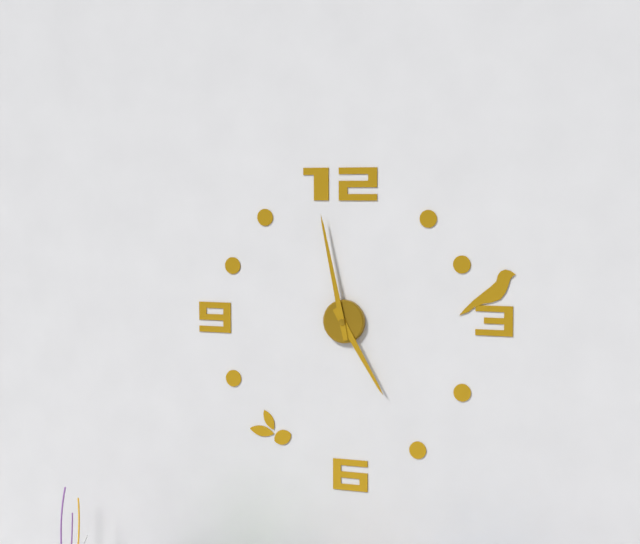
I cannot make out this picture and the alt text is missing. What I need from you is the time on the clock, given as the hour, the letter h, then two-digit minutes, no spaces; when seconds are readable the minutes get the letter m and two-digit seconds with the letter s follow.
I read 4h58
